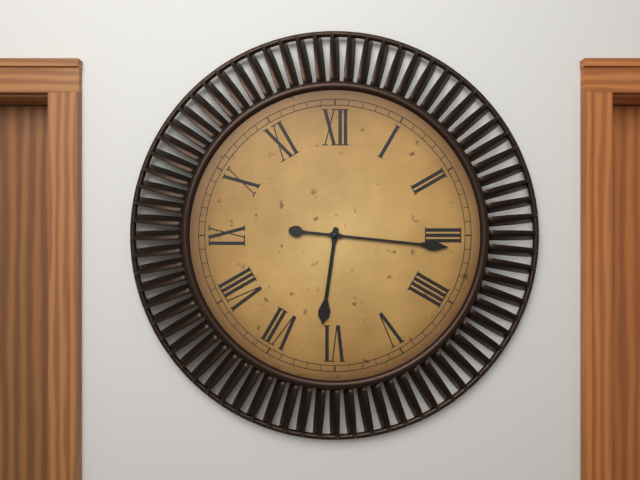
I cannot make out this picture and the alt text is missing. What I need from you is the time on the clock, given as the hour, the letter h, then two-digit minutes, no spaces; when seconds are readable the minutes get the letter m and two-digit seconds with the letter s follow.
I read 6h16
